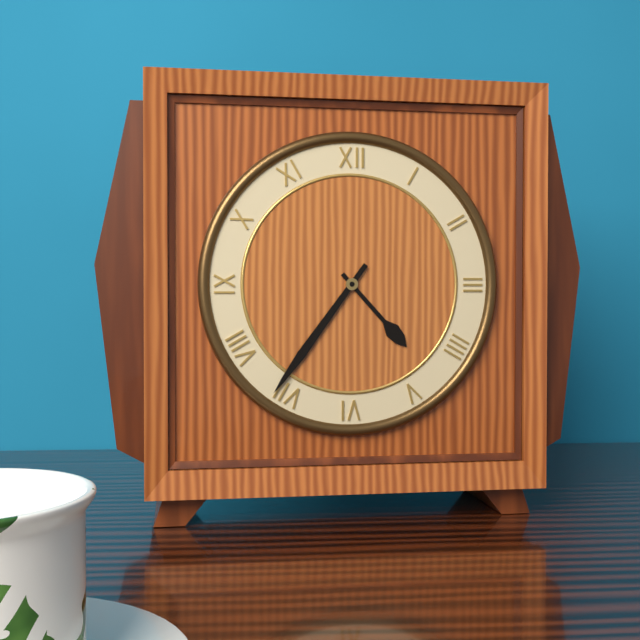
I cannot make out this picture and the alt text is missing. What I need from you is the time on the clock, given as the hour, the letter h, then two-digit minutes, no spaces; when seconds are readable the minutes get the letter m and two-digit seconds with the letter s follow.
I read 4h36
